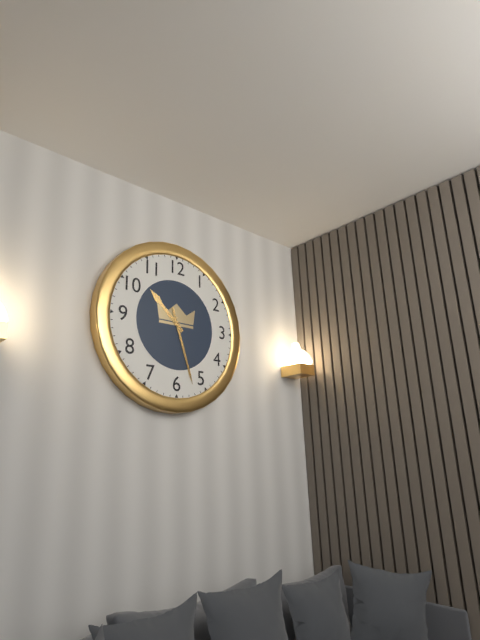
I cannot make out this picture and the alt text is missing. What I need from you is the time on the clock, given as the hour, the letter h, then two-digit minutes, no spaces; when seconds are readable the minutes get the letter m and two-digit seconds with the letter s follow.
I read 10h27
